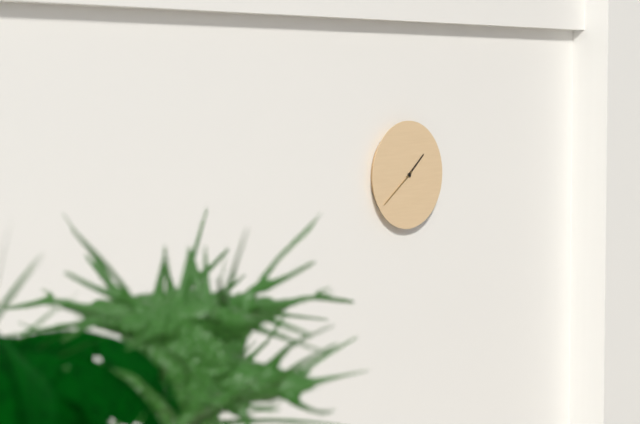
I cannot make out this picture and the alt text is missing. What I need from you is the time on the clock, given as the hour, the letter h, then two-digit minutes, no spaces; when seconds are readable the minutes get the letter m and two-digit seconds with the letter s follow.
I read 1h39
